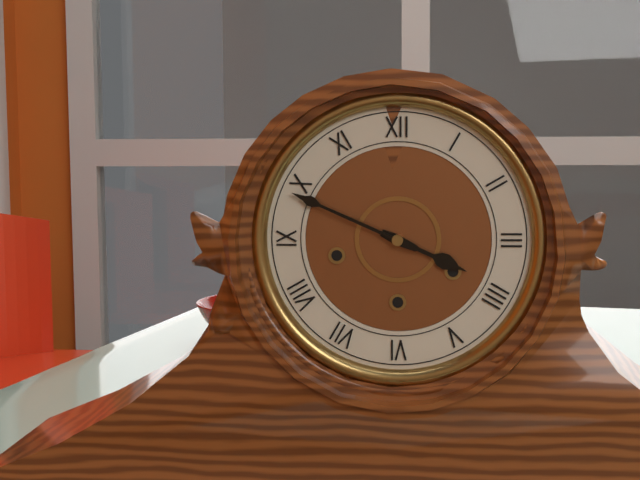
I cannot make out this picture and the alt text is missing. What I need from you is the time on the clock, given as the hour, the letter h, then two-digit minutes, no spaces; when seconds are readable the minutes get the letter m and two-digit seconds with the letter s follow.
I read 3h49
